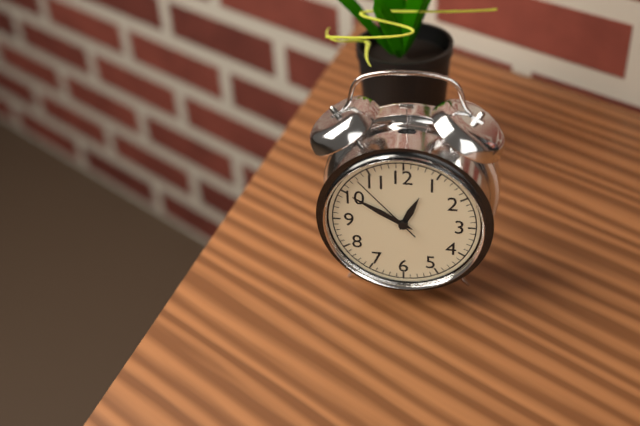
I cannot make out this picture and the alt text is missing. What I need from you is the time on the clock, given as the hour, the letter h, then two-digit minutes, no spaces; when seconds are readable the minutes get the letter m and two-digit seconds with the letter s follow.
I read 12h50m53s
